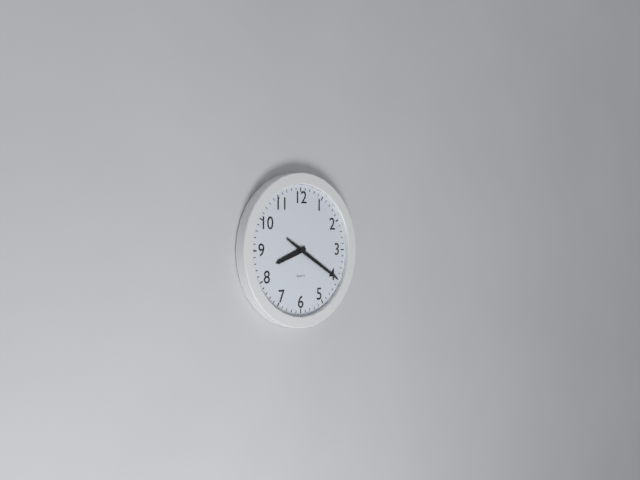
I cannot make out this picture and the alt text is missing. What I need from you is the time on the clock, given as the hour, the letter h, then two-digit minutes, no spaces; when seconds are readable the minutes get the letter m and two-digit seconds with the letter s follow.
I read 8h20
